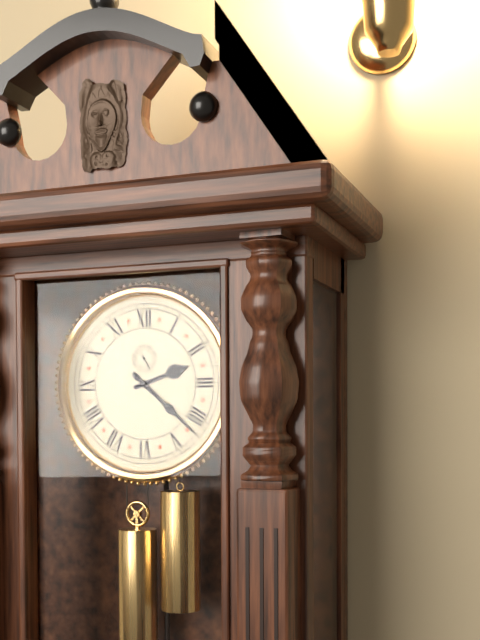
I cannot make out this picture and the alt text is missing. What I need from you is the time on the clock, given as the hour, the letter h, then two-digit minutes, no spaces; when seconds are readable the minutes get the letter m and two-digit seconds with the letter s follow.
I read 2h22
